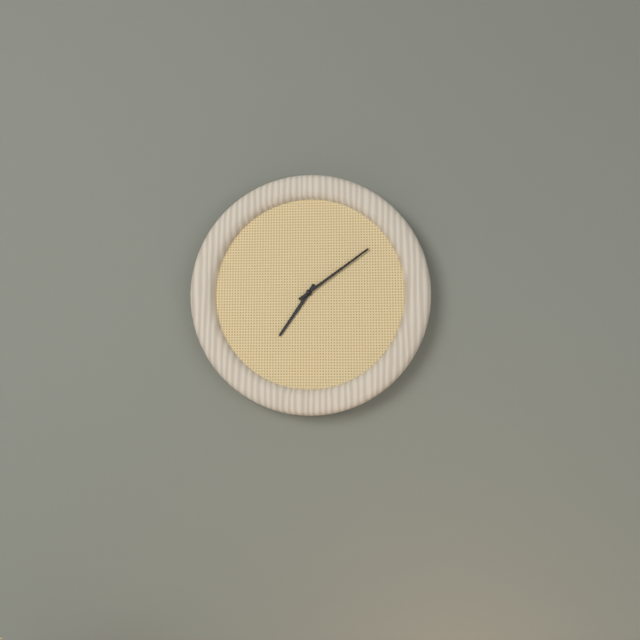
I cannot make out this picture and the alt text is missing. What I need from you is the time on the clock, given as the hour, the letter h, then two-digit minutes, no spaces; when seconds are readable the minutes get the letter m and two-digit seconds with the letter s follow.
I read 7h09
